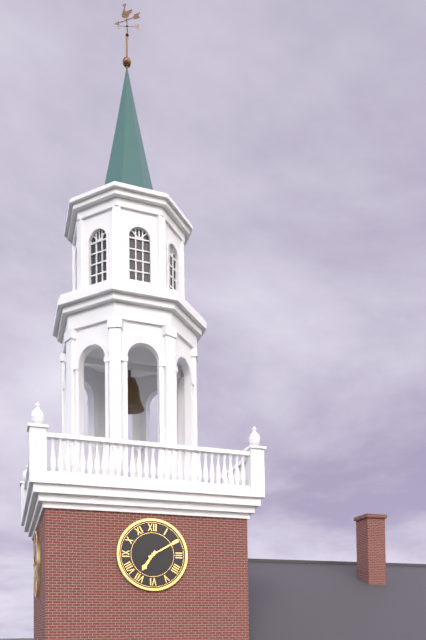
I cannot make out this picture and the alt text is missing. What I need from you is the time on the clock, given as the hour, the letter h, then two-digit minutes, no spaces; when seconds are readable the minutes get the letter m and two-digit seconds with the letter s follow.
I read 7h10
